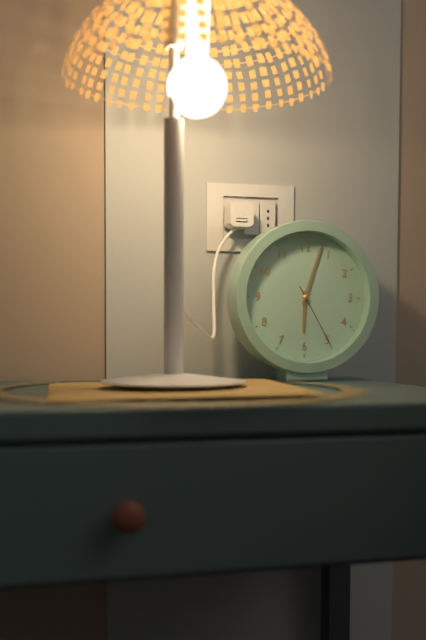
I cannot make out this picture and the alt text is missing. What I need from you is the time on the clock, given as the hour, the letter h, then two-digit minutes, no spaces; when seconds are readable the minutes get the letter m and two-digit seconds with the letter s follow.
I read 6h03m25s
